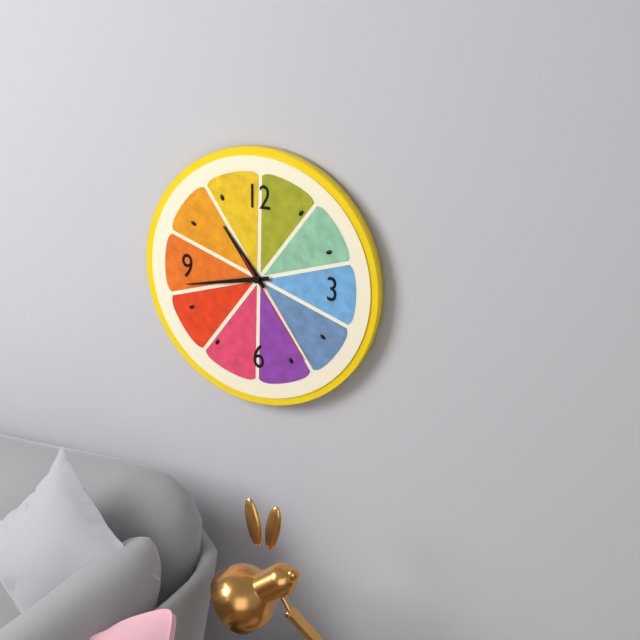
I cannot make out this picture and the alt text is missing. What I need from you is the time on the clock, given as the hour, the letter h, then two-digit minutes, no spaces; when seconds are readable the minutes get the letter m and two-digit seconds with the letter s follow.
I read 10h43m24s
